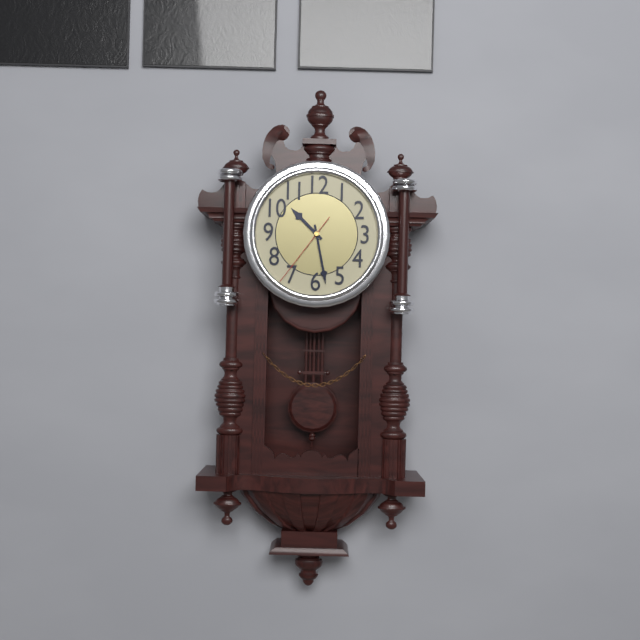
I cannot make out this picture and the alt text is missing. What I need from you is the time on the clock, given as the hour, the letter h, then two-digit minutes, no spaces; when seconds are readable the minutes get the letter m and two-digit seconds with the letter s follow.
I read 10h28m36s
